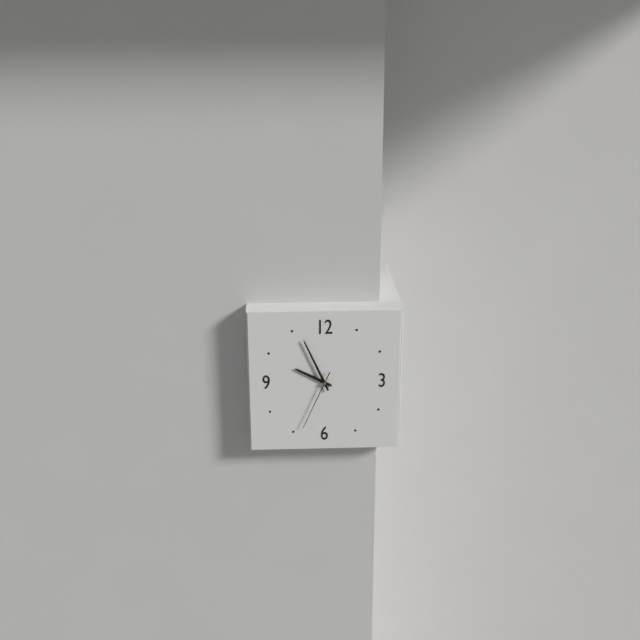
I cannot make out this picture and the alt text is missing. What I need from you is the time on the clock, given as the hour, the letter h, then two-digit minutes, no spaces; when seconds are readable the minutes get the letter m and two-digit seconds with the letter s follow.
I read 9h56m34s
